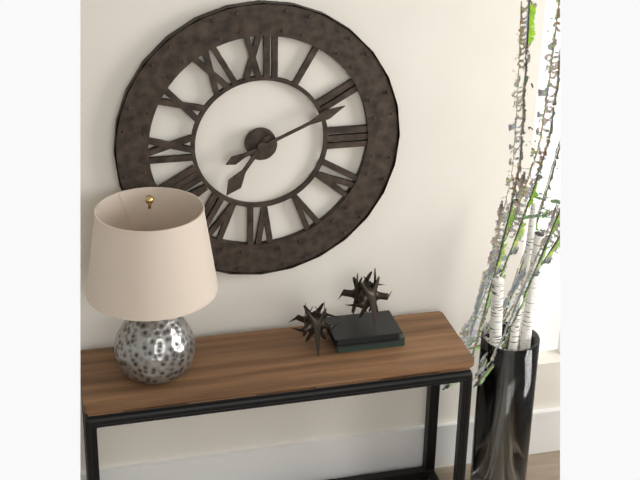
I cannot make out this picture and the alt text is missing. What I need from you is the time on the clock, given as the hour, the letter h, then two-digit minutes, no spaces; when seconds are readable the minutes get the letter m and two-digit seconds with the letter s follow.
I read 7h11
